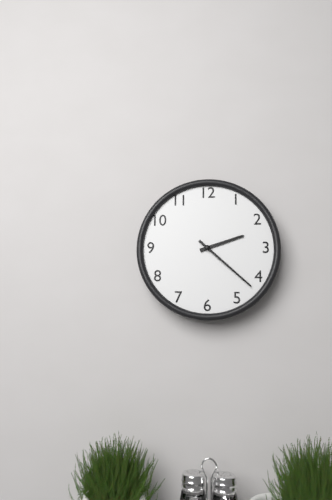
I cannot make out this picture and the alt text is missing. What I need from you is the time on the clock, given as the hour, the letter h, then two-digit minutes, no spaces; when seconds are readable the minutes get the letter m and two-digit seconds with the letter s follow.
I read 2h22
